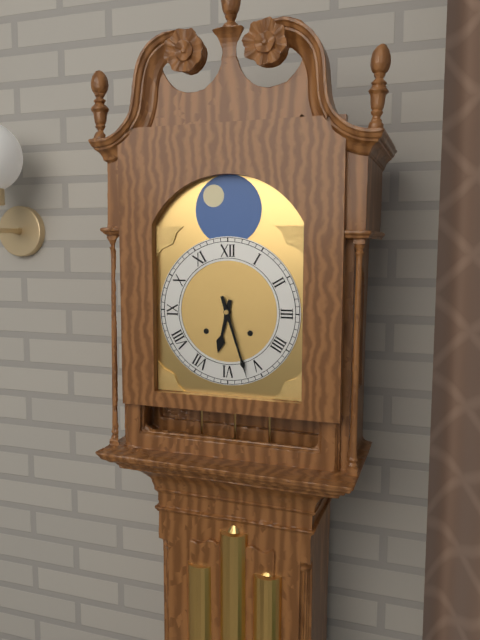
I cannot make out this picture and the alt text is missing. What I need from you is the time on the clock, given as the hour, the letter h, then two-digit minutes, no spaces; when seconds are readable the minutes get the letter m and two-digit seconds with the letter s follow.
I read 6h27
